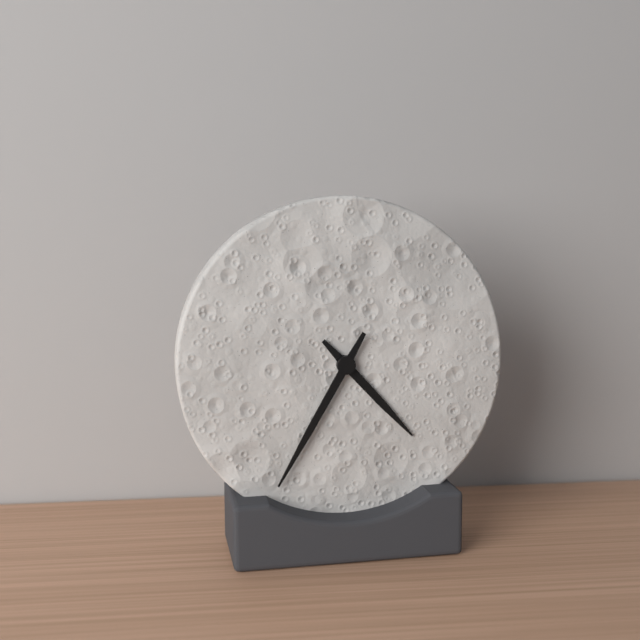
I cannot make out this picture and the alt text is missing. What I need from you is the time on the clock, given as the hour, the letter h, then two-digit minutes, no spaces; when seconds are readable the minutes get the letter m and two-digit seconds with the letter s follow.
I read 4h35
